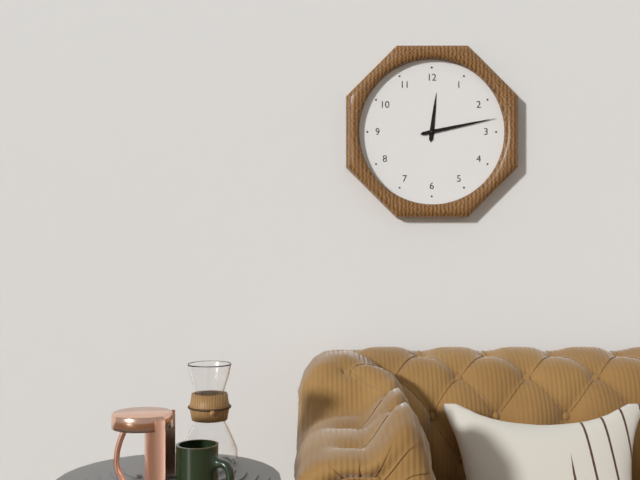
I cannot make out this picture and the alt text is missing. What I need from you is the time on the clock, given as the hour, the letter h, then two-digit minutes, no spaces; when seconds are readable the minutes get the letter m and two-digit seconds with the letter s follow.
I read 12h13
